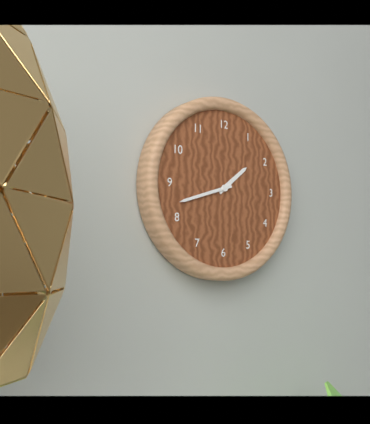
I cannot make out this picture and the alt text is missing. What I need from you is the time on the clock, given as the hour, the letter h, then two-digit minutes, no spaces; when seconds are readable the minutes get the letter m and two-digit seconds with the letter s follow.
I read 1h42
